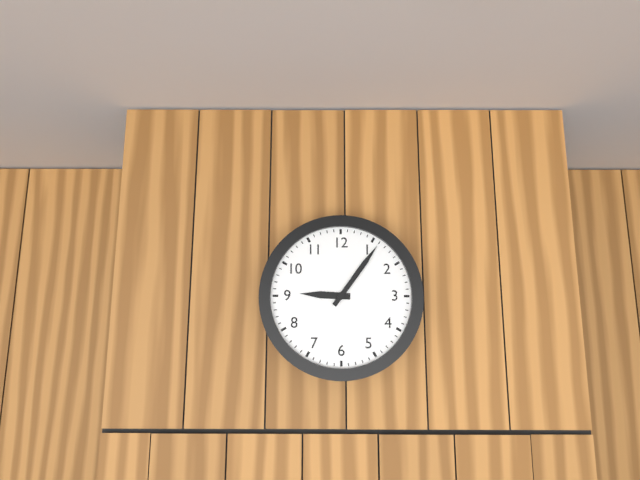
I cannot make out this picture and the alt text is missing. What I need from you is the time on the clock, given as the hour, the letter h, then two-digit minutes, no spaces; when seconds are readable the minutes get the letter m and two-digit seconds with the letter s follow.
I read 9h06
